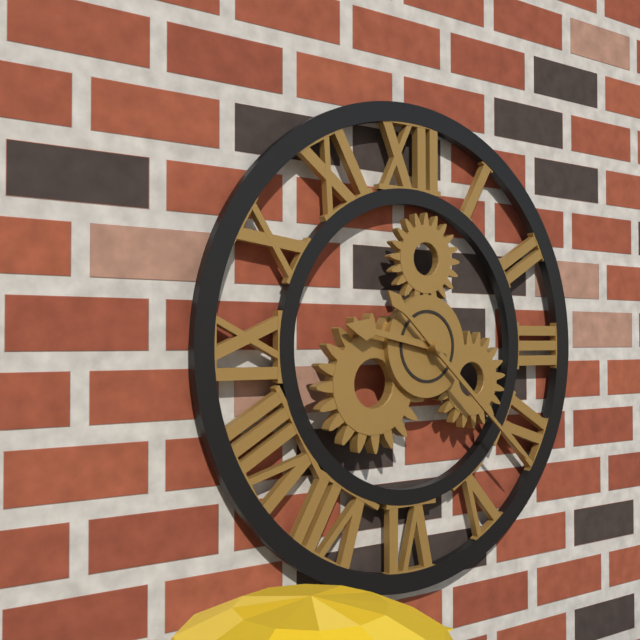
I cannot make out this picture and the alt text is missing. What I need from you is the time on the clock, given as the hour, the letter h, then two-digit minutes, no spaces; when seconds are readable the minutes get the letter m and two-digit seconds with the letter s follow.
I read 9h22
